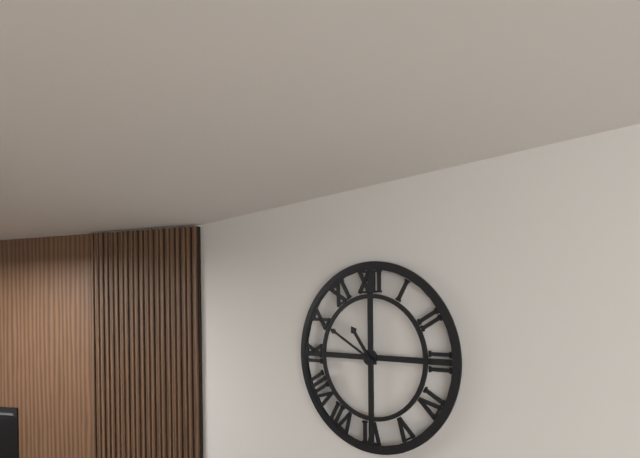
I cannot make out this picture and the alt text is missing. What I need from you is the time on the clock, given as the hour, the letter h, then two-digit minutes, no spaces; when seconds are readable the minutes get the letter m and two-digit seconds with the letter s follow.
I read 10h50
